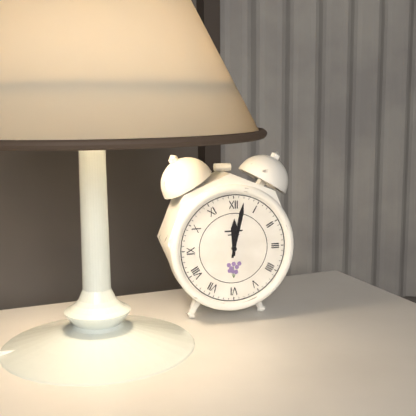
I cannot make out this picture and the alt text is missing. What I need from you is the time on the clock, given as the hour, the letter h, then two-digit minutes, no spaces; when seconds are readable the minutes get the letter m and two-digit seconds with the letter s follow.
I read 12h02
